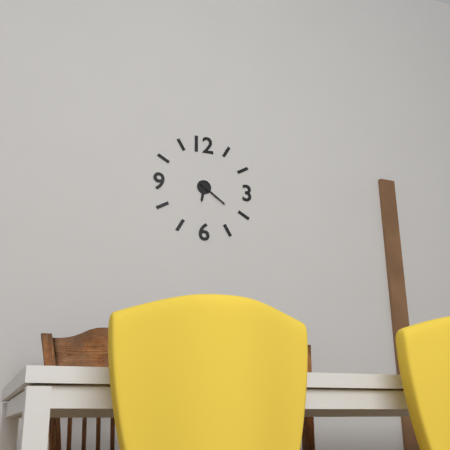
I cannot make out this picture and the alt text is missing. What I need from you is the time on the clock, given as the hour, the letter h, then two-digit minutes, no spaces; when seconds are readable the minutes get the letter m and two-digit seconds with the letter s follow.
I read 6h21
